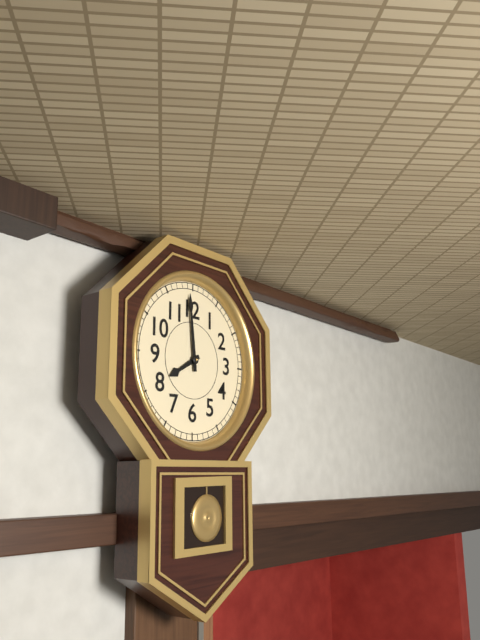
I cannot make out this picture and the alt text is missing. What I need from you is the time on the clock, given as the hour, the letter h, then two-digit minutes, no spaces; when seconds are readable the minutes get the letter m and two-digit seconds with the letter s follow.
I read 7h59
